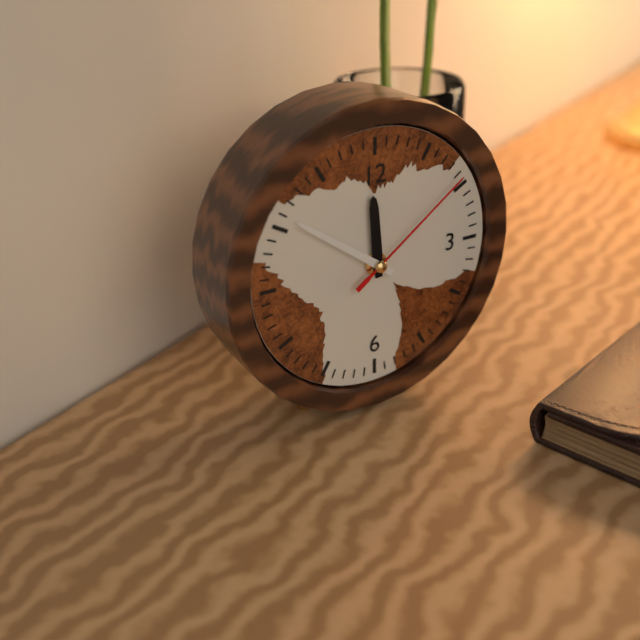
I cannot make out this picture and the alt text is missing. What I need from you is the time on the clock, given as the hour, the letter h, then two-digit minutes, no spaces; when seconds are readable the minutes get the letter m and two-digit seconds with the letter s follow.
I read 11h51m09s
